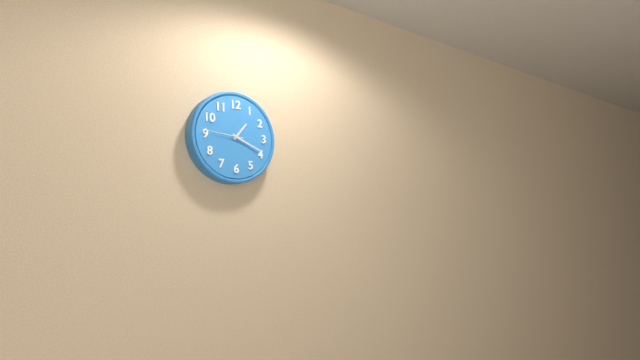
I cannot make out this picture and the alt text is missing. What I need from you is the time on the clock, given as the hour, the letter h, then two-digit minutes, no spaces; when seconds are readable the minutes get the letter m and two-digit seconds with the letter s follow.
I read 1h19
